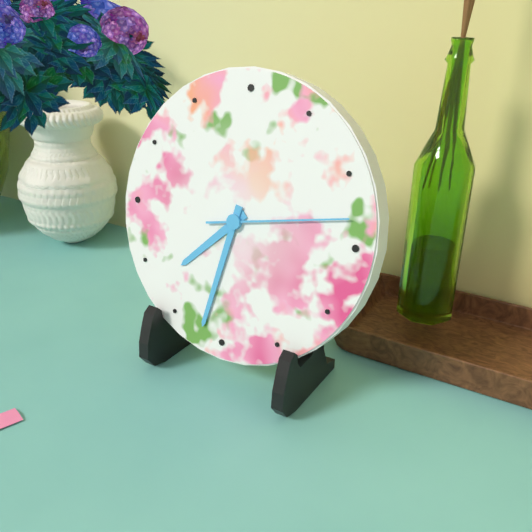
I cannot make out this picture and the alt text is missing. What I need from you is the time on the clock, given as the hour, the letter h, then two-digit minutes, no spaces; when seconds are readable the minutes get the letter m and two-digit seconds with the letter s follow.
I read 7h32m13s
